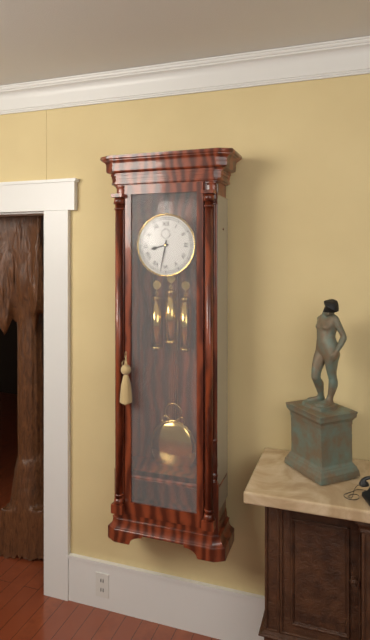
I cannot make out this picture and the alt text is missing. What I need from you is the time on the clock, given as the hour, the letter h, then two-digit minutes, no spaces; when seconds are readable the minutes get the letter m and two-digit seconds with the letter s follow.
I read 8h32
